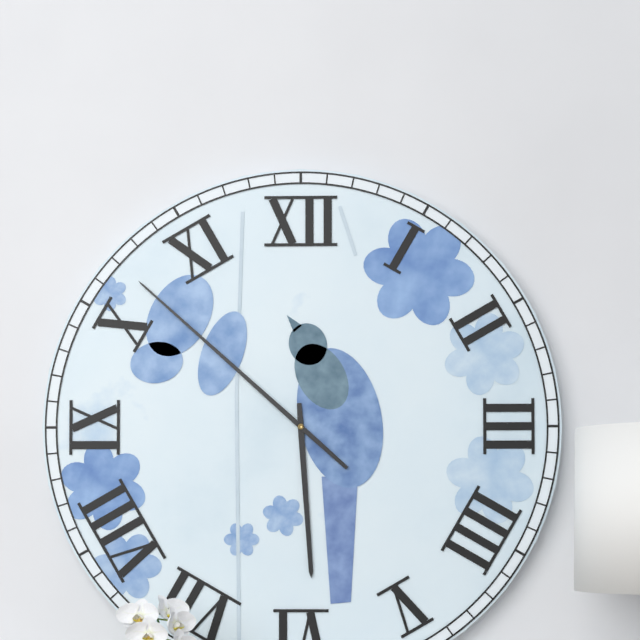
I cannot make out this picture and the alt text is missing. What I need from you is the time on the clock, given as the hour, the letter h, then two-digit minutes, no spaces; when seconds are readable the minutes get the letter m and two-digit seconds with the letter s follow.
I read 5h52
